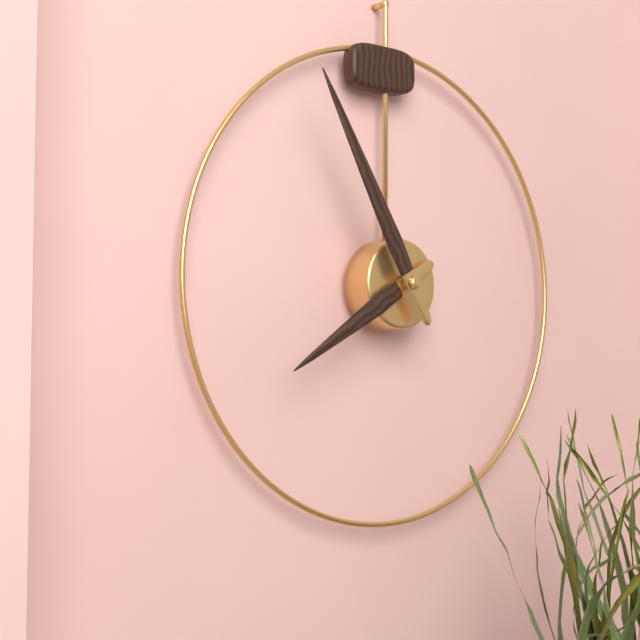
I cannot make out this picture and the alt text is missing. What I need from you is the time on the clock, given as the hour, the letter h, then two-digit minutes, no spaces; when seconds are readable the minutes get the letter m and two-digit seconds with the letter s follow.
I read 7h55
